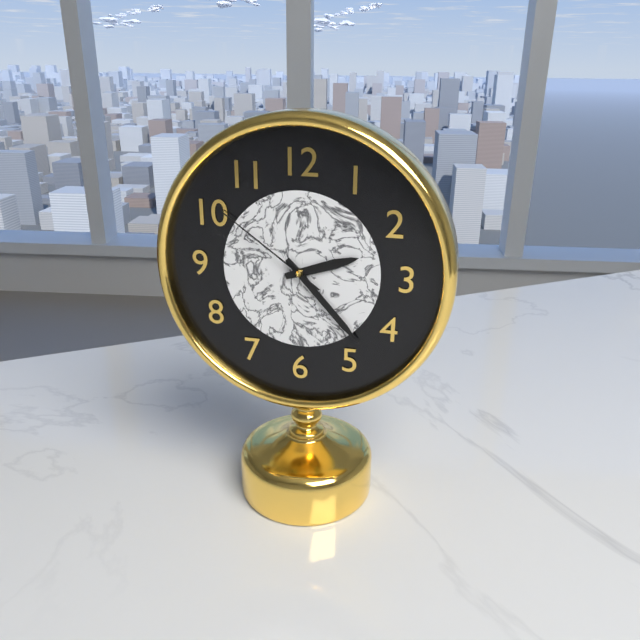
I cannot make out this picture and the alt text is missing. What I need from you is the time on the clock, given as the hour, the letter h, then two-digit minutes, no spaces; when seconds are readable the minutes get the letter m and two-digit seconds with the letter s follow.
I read 2h23m51s
